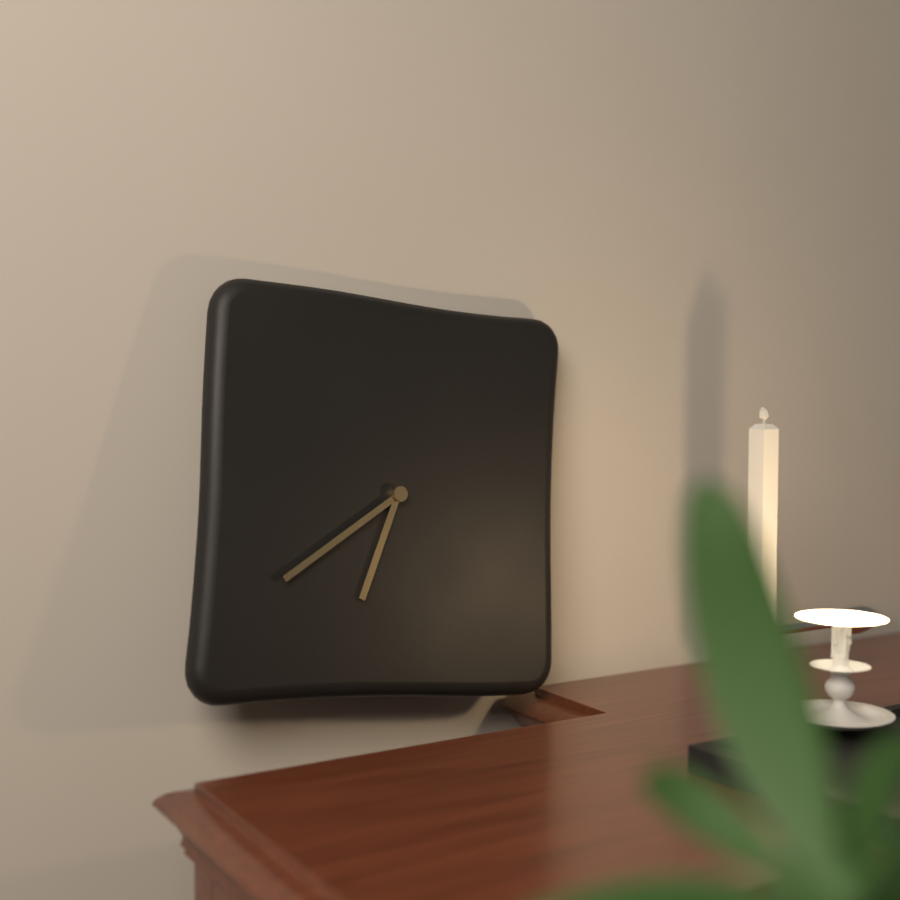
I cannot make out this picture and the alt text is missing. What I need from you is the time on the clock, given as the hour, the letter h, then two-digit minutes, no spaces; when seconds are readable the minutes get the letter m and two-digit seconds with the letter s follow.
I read 6h39
